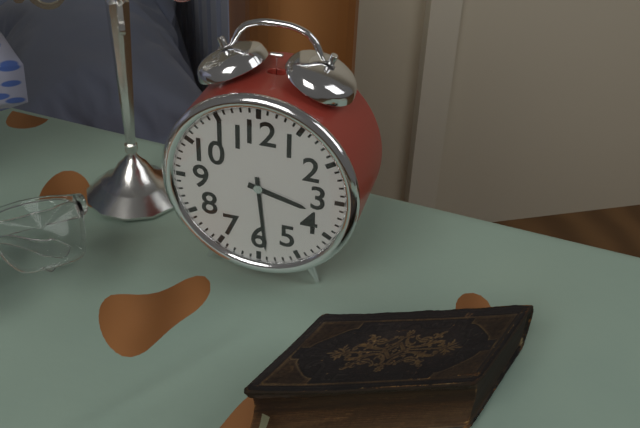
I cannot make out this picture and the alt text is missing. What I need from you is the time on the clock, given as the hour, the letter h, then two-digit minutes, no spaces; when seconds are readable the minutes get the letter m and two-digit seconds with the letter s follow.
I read 3h29
